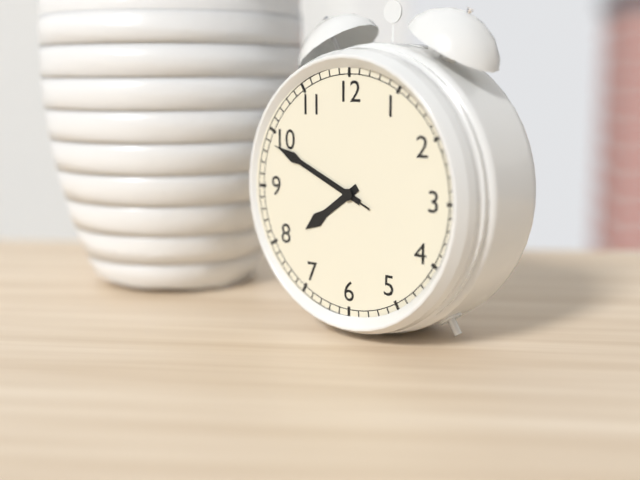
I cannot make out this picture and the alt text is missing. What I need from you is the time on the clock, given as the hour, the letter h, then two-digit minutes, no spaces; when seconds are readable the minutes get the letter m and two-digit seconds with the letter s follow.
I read 7h49m49s
